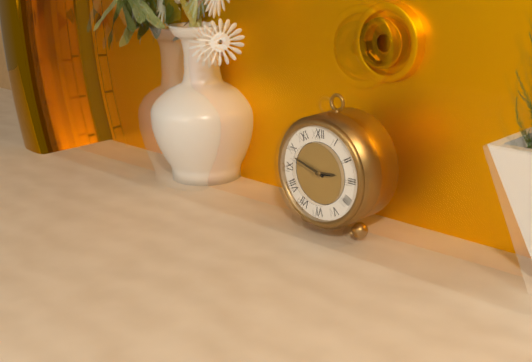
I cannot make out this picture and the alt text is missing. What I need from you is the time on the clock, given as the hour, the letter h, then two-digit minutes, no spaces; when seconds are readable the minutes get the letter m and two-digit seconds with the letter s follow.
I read 2h48
